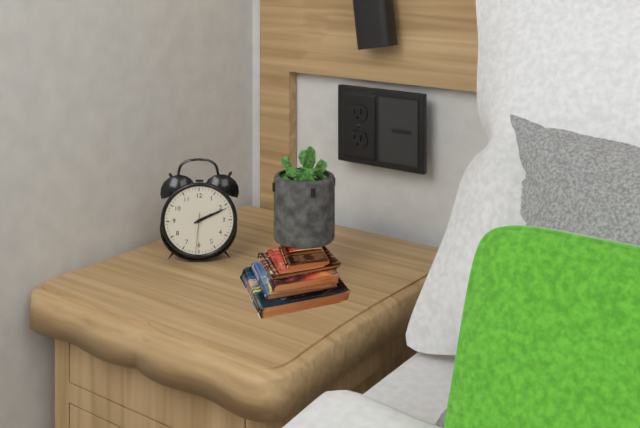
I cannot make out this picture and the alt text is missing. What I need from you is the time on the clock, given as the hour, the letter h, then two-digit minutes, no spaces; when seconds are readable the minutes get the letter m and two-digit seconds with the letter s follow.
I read 2h11
